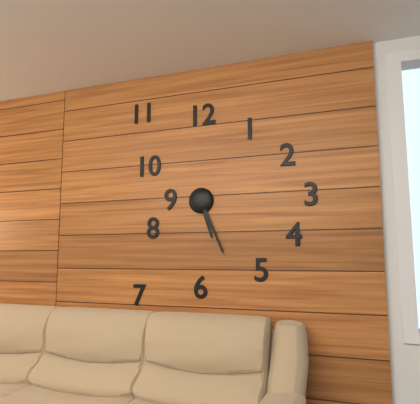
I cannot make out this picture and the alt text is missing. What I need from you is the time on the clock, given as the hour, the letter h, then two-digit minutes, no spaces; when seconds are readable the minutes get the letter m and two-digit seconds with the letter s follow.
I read 5h26
